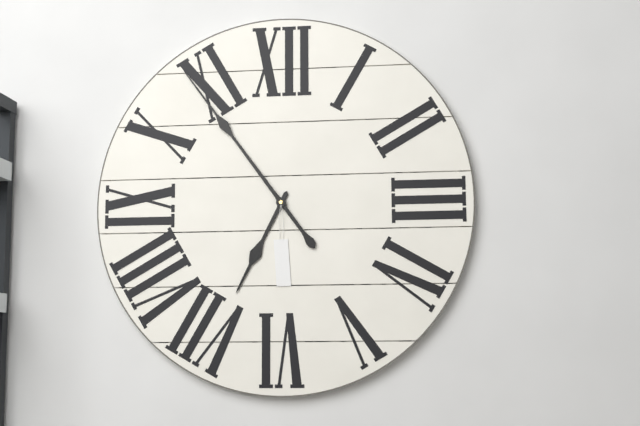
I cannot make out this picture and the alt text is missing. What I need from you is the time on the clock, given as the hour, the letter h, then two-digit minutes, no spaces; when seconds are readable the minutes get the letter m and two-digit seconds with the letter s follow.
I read 6h54
